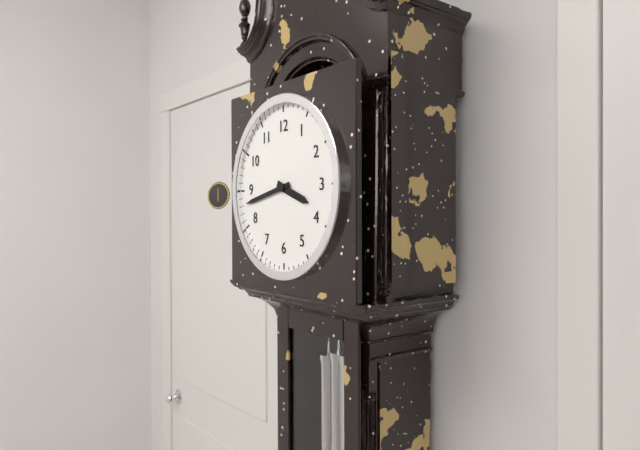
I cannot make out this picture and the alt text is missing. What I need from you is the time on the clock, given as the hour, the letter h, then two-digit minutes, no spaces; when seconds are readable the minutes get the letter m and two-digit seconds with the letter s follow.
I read 3h43
